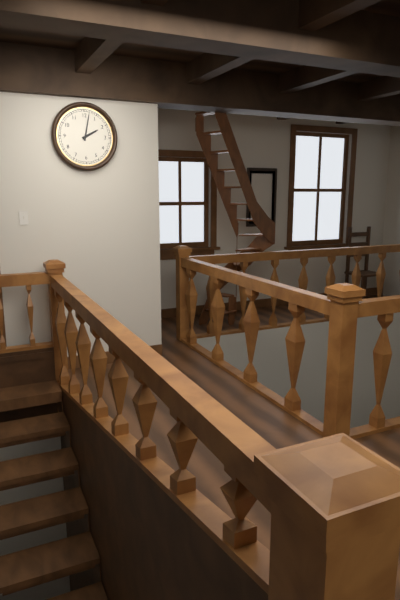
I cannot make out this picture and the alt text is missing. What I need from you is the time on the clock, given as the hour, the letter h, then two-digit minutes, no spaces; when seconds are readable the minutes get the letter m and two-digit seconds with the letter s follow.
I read 2h02
